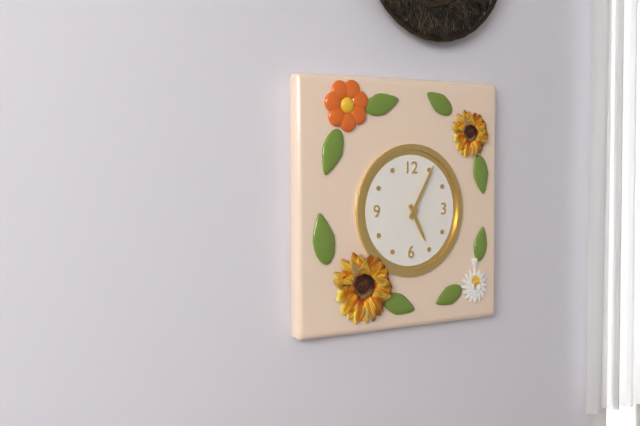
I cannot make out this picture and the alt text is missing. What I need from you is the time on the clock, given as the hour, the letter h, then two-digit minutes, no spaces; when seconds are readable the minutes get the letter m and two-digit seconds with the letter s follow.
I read 5h05
